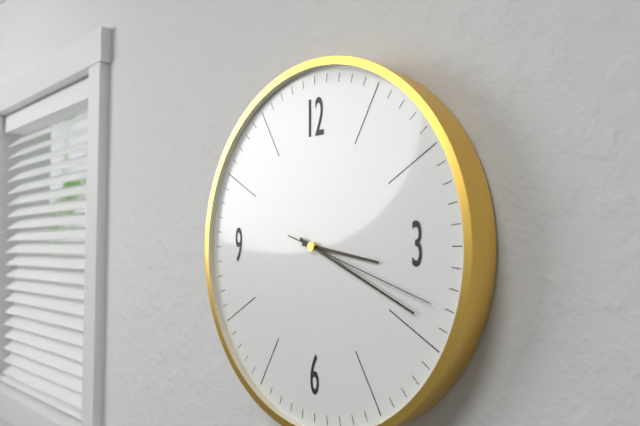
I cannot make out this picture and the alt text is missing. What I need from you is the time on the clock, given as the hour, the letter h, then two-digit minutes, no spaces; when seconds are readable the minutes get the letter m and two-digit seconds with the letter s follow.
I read 3h19m18s
